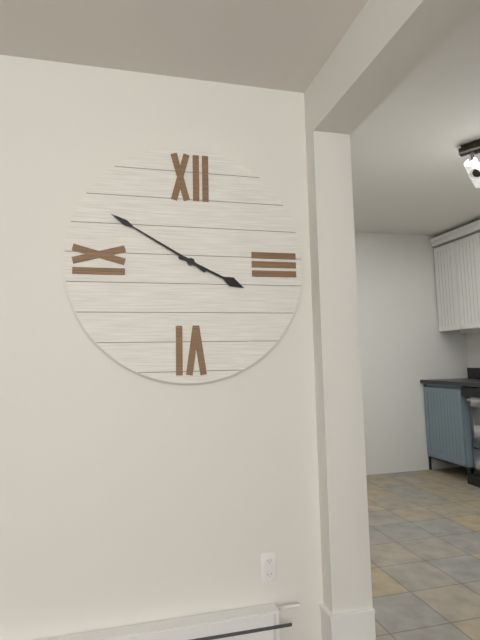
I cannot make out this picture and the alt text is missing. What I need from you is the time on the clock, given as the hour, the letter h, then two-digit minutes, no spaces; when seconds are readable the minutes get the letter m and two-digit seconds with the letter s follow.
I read 3h50
